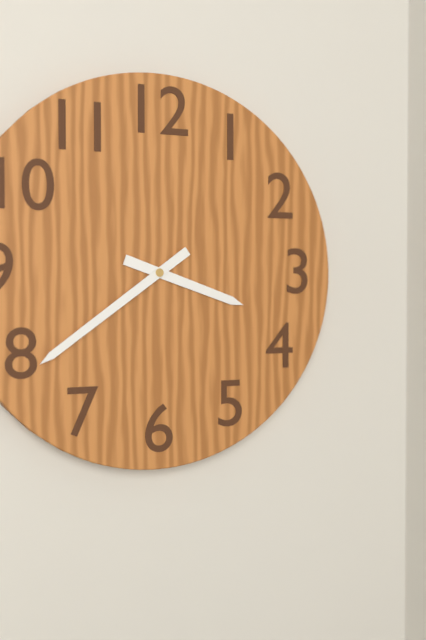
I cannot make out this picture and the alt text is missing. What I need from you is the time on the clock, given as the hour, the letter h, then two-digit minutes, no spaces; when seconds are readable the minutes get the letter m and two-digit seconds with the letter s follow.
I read 3h39
